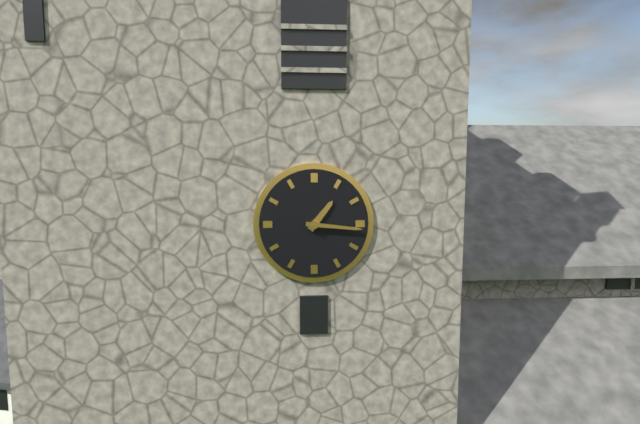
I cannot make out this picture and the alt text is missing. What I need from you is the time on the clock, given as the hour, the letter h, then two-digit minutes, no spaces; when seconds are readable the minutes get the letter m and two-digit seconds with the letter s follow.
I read 1h16
